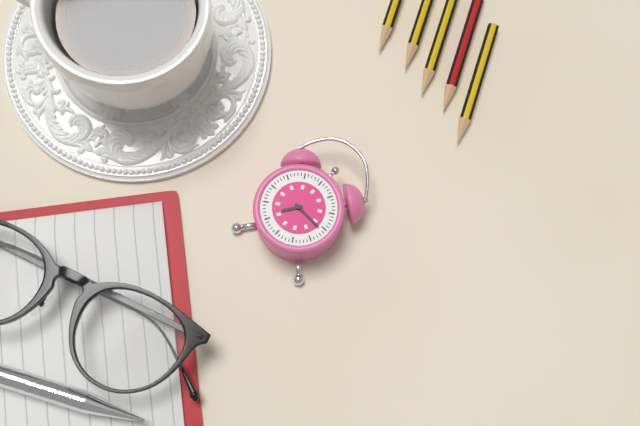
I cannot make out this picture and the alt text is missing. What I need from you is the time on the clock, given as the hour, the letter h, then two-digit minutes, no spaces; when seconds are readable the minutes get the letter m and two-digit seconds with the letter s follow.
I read 7h16
